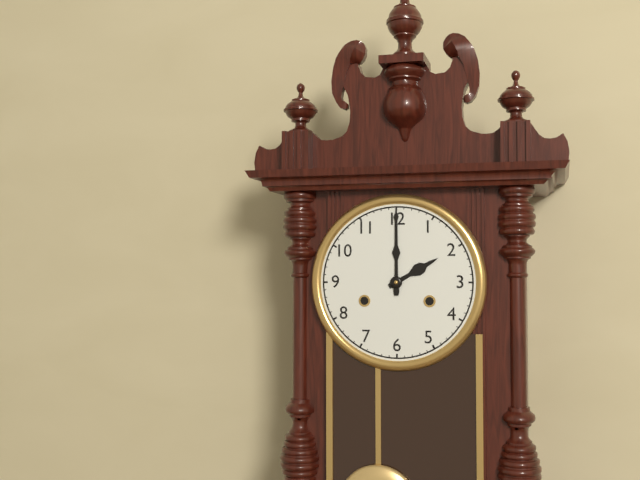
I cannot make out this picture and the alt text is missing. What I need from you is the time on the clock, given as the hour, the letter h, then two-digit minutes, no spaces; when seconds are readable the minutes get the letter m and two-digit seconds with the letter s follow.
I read 2h00
